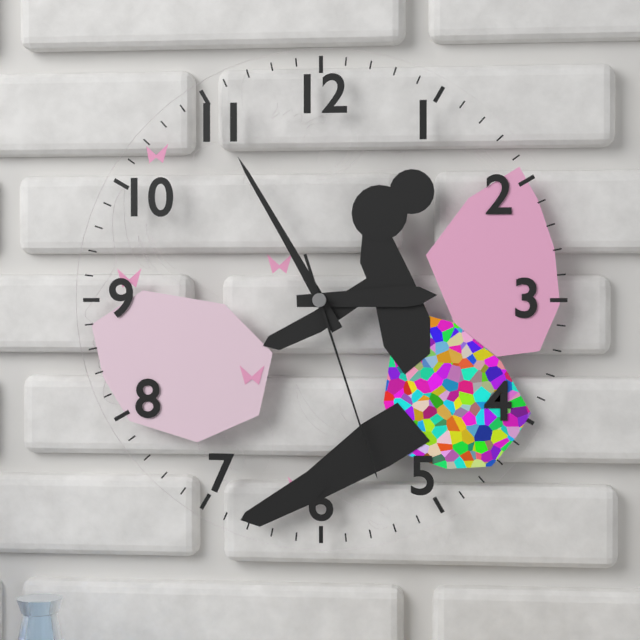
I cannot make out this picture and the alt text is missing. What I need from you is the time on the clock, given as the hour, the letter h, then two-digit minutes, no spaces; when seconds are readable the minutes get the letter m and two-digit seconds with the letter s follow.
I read 2h55m27s
